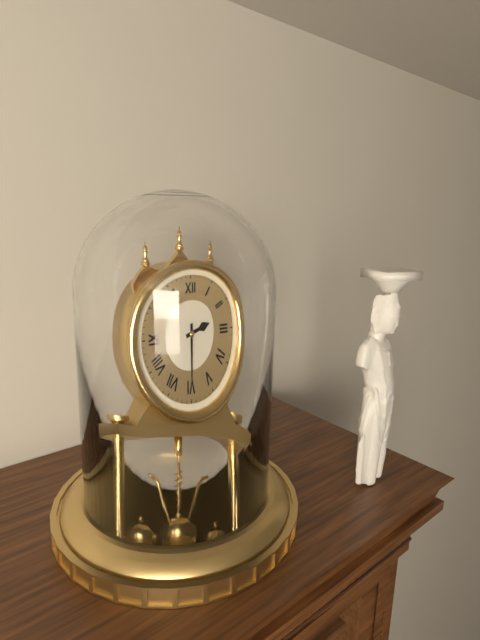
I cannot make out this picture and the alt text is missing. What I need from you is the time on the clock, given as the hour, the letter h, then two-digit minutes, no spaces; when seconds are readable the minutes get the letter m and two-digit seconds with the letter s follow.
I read 2h30
